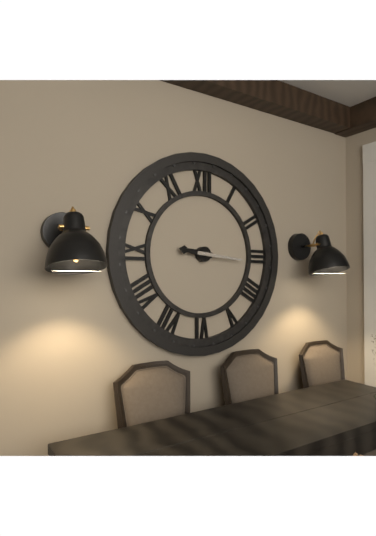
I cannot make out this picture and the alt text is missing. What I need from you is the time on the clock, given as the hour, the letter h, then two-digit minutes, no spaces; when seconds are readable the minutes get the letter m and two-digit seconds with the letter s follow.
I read 9h16
